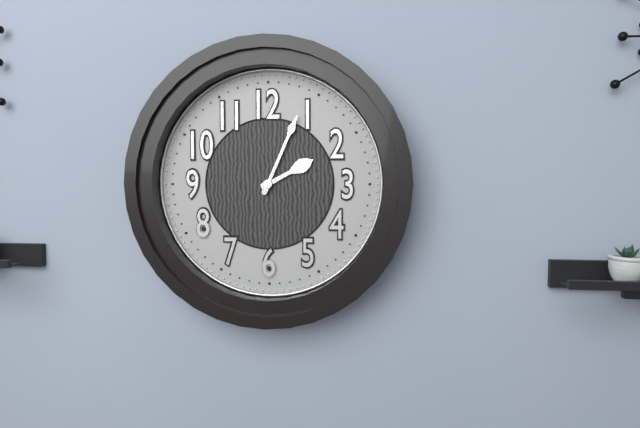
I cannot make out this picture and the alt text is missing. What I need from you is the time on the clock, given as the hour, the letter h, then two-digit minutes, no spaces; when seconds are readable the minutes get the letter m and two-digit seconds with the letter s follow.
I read 2h04
